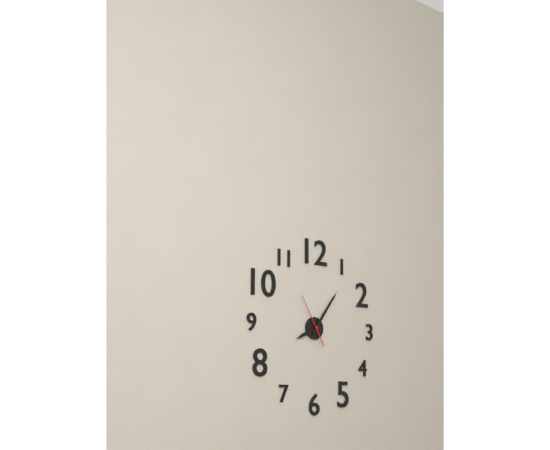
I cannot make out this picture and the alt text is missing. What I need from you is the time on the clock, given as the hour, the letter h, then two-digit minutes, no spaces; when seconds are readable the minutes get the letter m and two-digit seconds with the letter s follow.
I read 8h06
